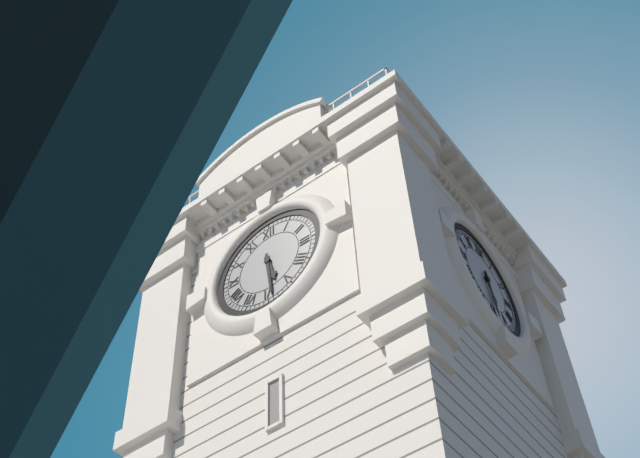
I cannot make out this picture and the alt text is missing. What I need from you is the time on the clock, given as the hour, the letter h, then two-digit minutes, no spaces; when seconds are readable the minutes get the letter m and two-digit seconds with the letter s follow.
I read 5h29
